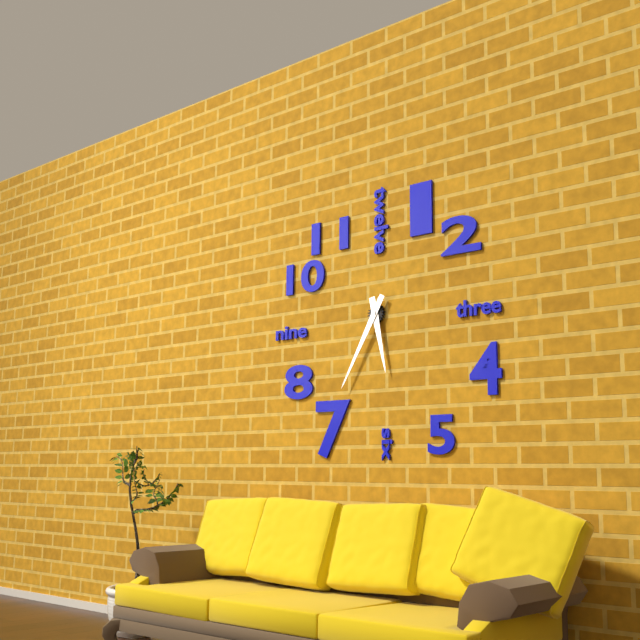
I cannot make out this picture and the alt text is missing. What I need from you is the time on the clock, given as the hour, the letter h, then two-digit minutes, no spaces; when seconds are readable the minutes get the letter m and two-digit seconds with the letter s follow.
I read 5h35
